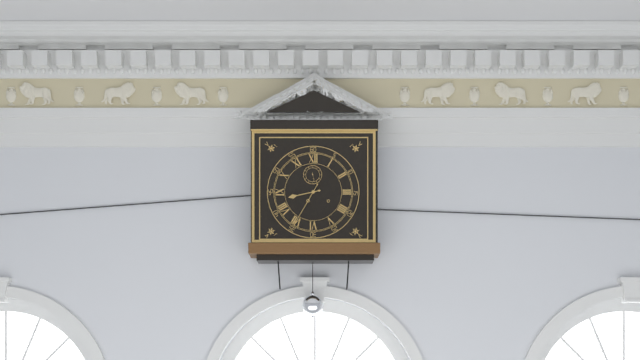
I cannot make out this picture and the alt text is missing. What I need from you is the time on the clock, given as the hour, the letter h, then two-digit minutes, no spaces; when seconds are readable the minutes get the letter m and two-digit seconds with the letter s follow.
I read 8h35
